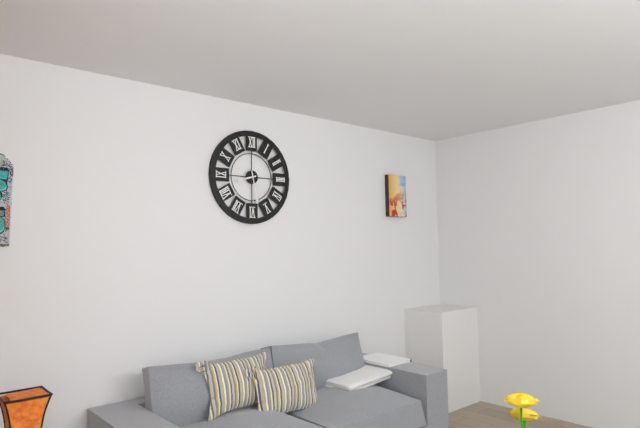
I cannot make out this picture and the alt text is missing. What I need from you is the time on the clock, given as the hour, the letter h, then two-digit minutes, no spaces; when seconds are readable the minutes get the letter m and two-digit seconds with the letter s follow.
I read 8h28
